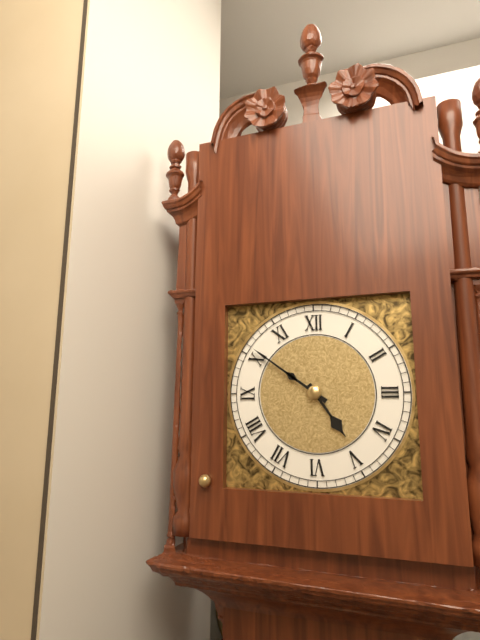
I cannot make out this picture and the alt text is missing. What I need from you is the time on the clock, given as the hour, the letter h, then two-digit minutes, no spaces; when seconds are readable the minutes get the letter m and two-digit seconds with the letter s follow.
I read 4h51
